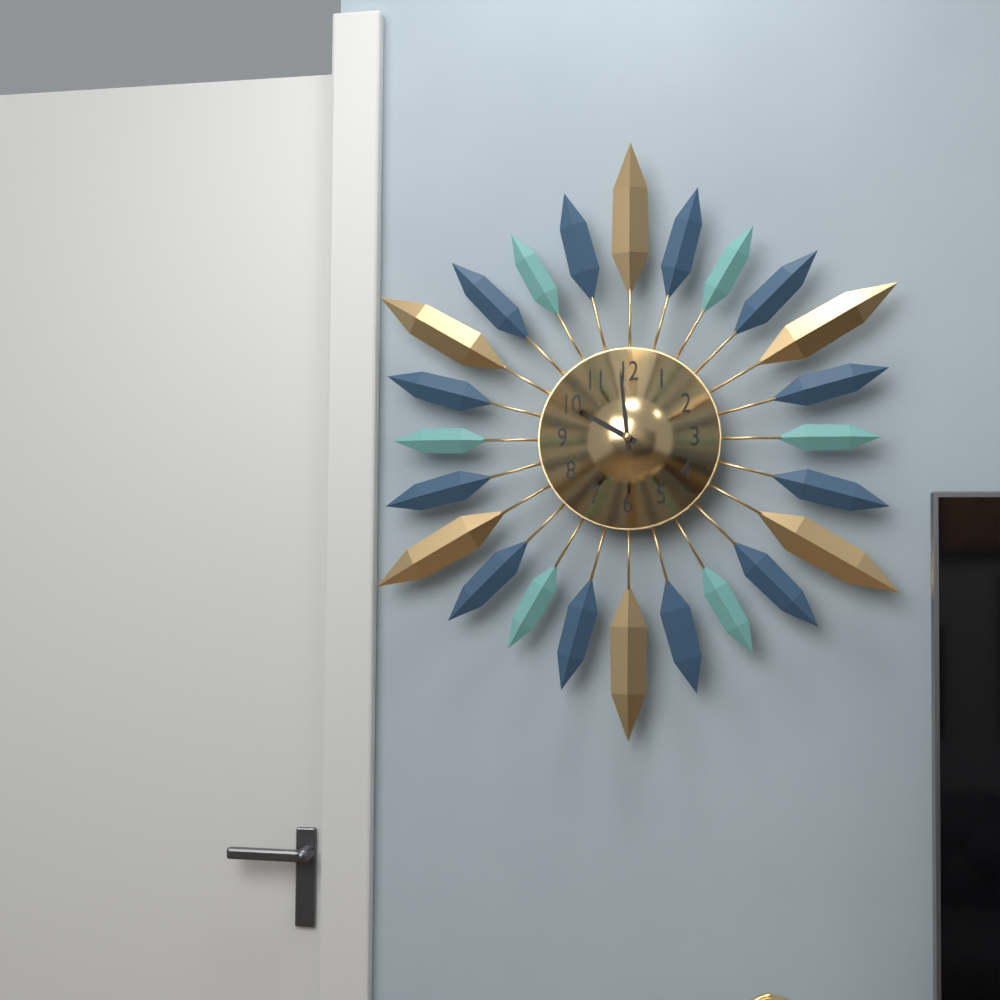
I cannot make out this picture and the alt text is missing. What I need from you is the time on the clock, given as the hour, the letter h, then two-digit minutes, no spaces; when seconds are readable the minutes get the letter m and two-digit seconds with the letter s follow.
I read 9h59
